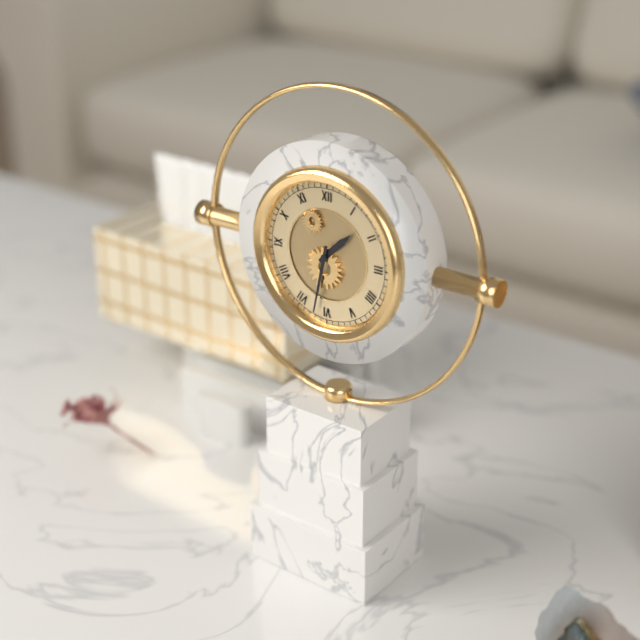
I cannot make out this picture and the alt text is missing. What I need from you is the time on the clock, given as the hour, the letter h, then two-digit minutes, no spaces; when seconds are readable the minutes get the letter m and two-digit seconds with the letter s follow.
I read 1h32
